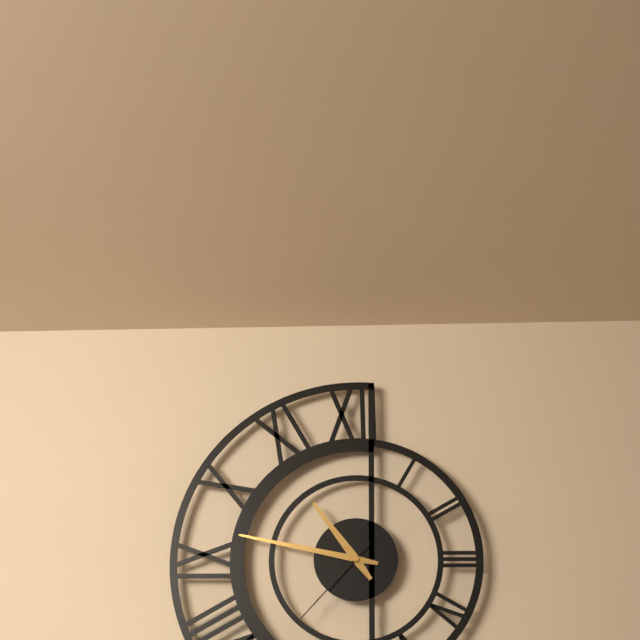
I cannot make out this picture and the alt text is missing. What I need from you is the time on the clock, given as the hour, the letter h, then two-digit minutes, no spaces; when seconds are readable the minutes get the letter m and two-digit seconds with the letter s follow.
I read 10h47m37s
